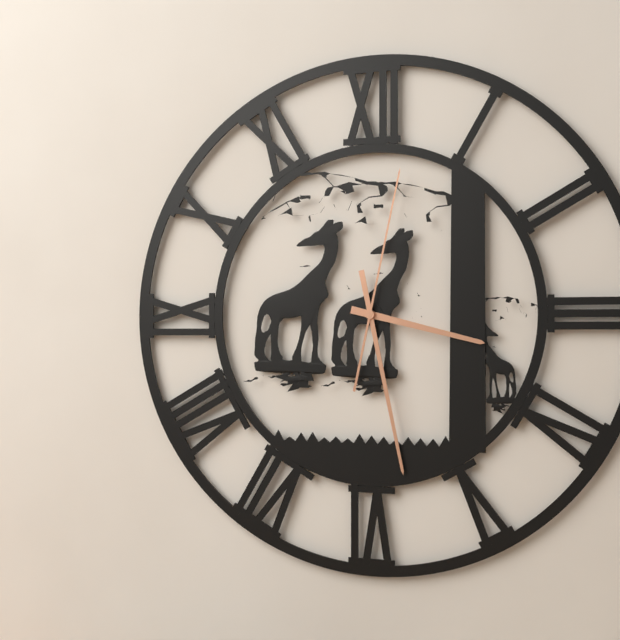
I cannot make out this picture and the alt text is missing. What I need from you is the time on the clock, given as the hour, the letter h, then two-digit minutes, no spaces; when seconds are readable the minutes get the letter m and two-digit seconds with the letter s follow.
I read 3h28m02s
